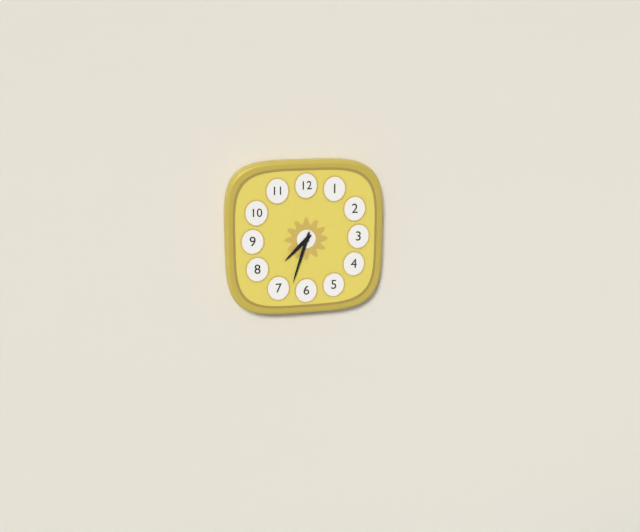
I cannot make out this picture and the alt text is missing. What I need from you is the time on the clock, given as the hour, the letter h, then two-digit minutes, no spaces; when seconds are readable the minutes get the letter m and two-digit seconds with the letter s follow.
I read 7h33
